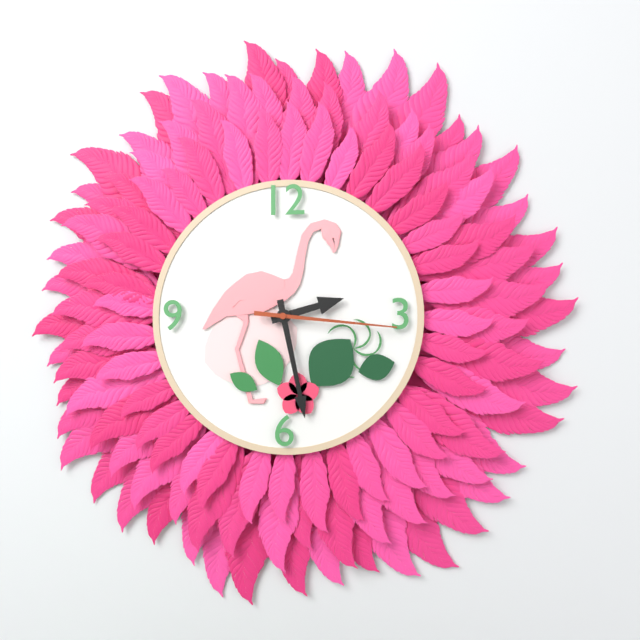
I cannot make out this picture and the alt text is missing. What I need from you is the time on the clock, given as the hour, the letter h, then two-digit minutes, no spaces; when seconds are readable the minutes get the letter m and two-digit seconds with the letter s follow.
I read 2h28m16s
